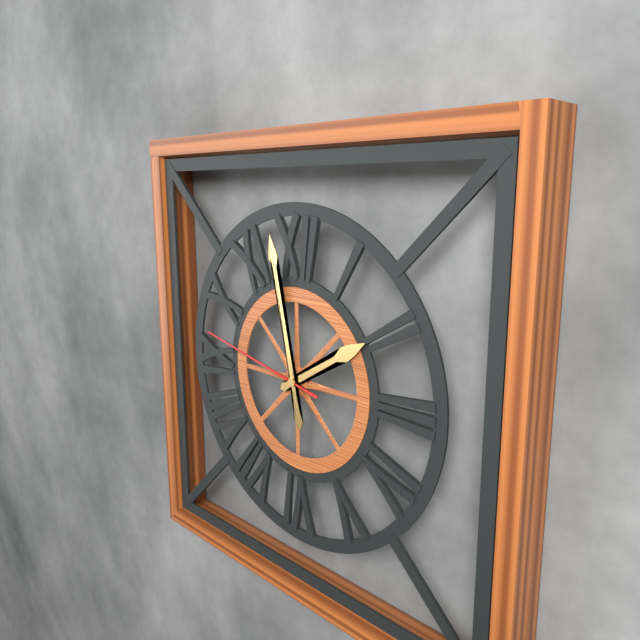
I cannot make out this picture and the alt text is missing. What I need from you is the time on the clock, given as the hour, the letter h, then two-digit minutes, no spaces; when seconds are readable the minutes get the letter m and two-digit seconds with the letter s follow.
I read 1h58m47s
